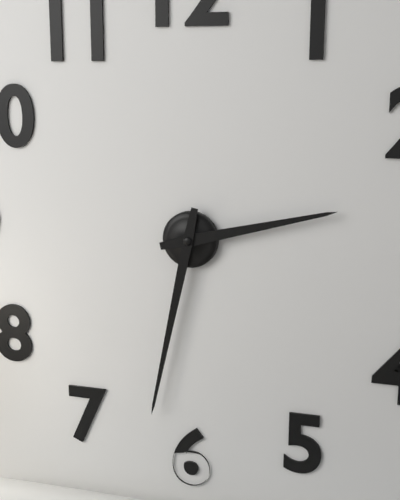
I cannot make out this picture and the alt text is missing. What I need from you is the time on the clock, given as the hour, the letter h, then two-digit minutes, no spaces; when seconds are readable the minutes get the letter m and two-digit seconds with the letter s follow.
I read 2h32
